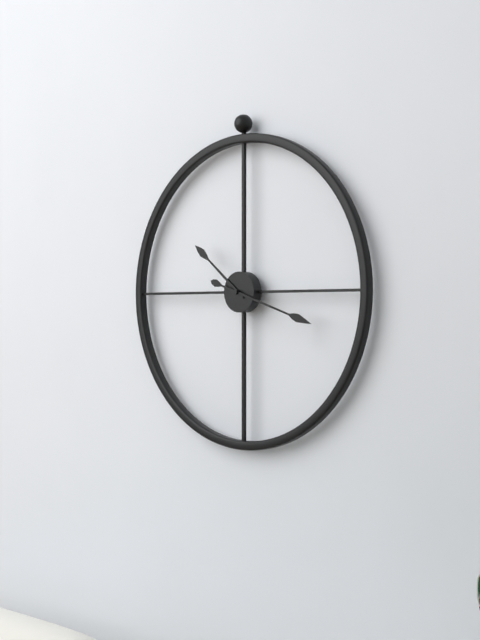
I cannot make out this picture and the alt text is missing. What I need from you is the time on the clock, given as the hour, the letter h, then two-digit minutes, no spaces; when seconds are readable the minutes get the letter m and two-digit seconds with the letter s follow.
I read 10h18
